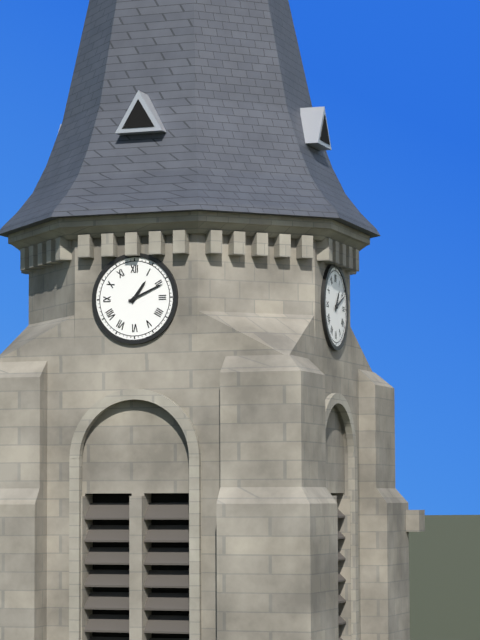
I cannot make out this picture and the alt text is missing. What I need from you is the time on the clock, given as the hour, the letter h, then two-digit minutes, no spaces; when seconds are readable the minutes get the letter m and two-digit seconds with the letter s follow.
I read 1h11
